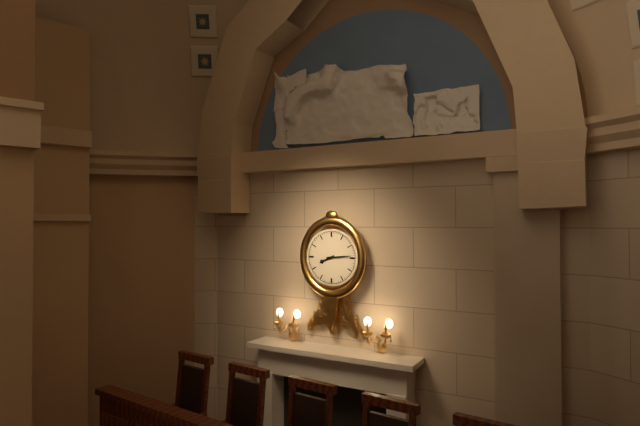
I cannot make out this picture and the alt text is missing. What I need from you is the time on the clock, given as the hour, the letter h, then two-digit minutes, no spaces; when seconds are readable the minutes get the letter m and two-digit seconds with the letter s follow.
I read 8h14
